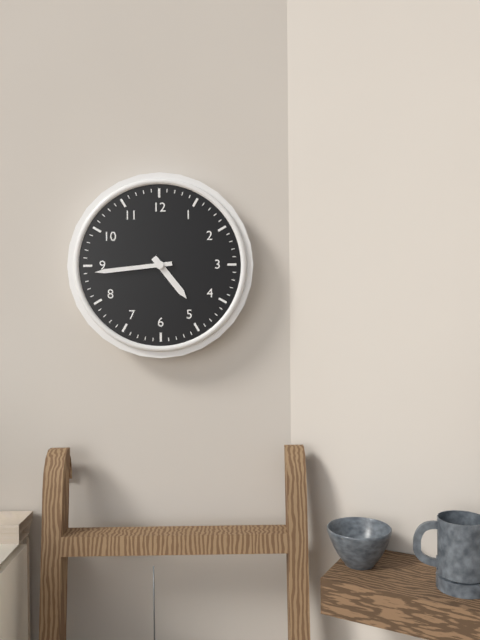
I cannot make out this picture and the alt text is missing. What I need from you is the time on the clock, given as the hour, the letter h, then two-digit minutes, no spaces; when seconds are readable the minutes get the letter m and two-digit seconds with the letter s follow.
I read 4h44
